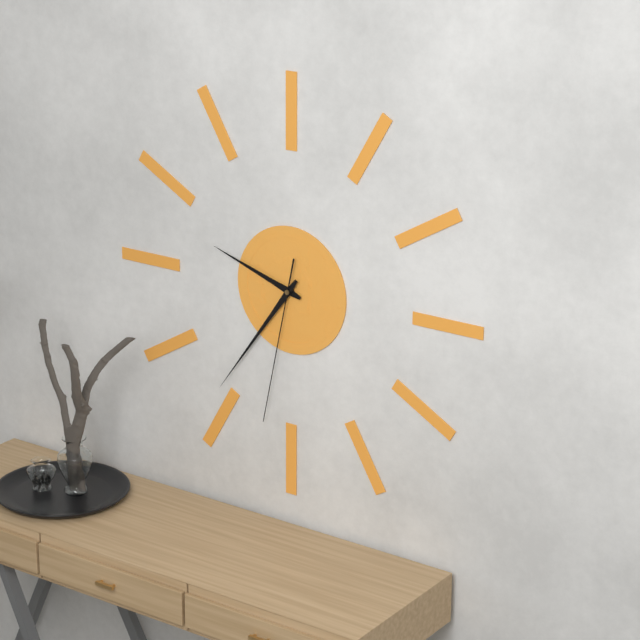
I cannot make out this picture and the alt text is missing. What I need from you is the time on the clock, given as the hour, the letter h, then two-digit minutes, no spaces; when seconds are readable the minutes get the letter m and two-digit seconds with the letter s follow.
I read 9h36m32s
